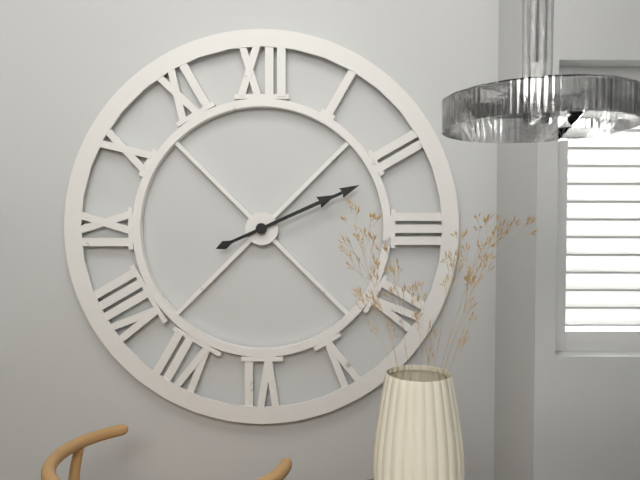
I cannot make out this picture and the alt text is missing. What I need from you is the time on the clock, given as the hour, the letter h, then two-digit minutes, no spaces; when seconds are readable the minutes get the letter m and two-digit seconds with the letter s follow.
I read 2h11
